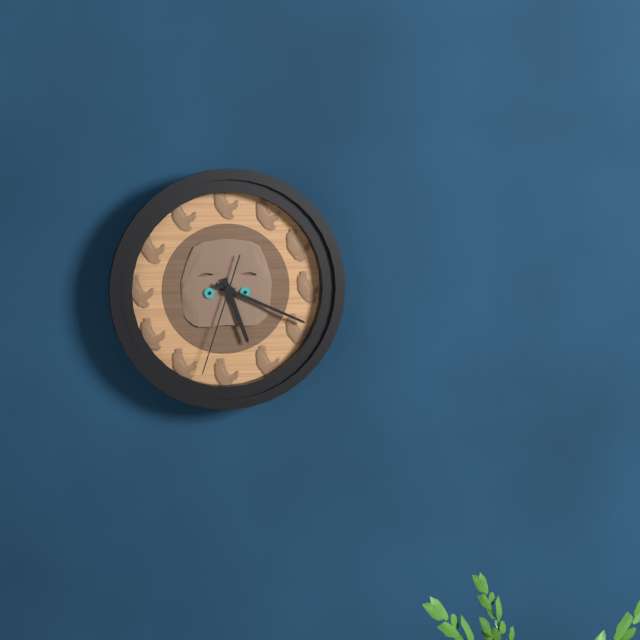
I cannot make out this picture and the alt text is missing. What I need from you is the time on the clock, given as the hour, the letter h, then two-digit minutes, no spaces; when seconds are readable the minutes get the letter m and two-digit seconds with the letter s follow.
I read 5h19m33s
